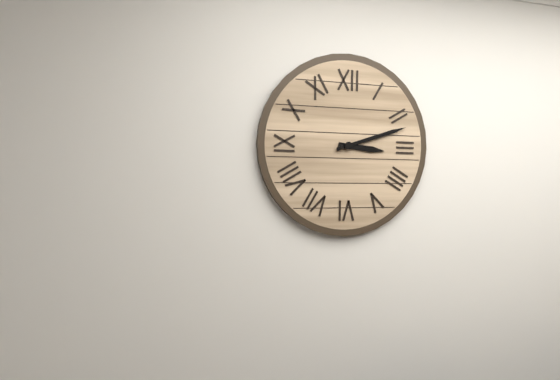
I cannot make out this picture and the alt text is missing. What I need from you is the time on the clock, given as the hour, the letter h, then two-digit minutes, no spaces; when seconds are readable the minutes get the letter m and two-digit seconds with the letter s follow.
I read 3h12
